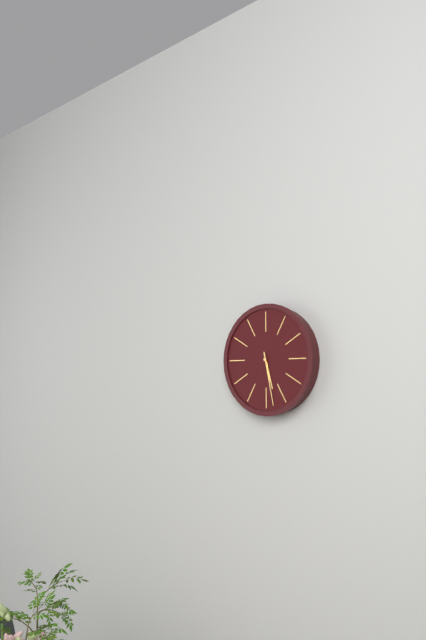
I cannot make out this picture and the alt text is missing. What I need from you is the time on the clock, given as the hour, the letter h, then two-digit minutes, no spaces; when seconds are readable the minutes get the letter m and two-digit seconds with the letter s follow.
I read 5h28
